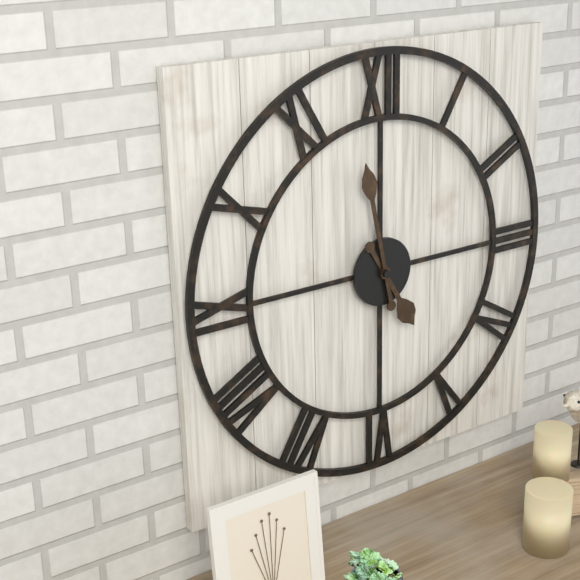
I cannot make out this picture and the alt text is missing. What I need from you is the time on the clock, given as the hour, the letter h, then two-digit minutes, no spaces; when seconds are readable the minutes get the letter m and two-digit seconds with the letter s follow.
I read 4h58
